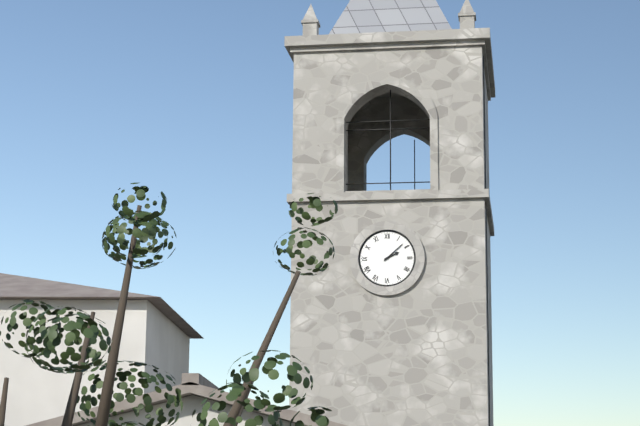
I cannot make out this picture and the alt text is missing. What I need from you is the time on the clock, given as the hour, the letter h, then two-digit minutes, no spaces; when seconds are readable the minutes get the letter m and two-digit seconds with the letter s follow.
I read 2h08
